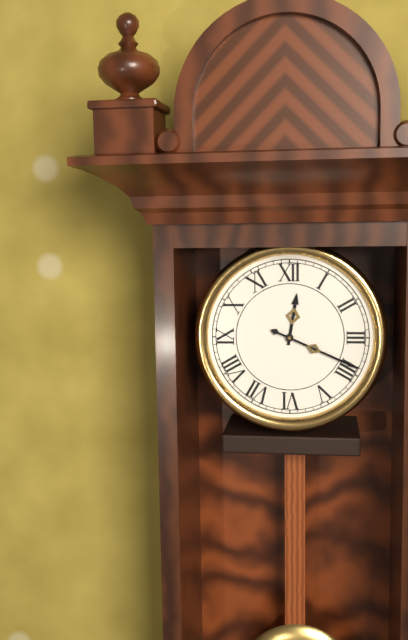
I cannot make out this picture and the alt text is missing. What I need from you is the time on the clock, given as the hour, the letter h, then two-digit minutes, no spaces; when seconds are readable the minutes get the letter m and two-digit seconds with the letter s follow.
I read 12h19
